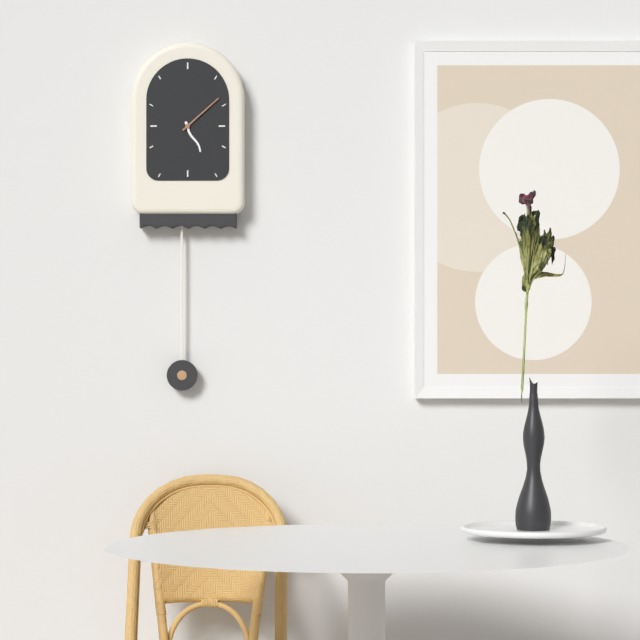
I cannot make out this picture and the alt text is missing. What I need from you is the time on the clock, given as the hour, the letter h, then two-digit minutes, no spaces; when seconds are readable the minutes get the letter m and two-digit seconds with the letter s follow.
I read 5h08
